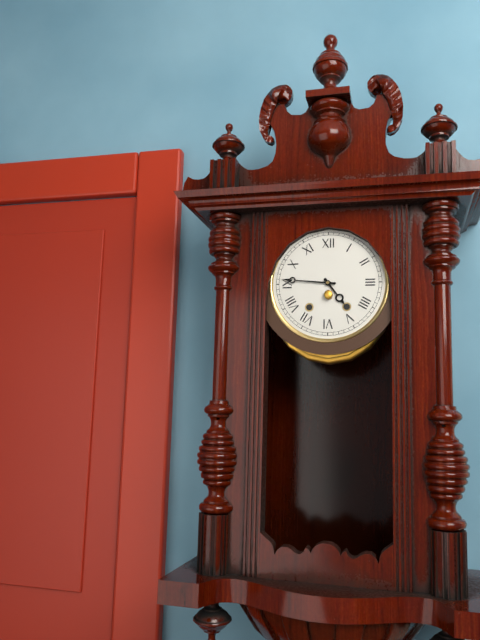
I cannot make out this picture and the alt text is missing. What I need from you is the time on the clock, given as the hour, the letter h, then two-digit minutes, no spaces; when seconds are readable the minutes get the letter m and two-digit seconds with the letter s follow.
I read 4h46
